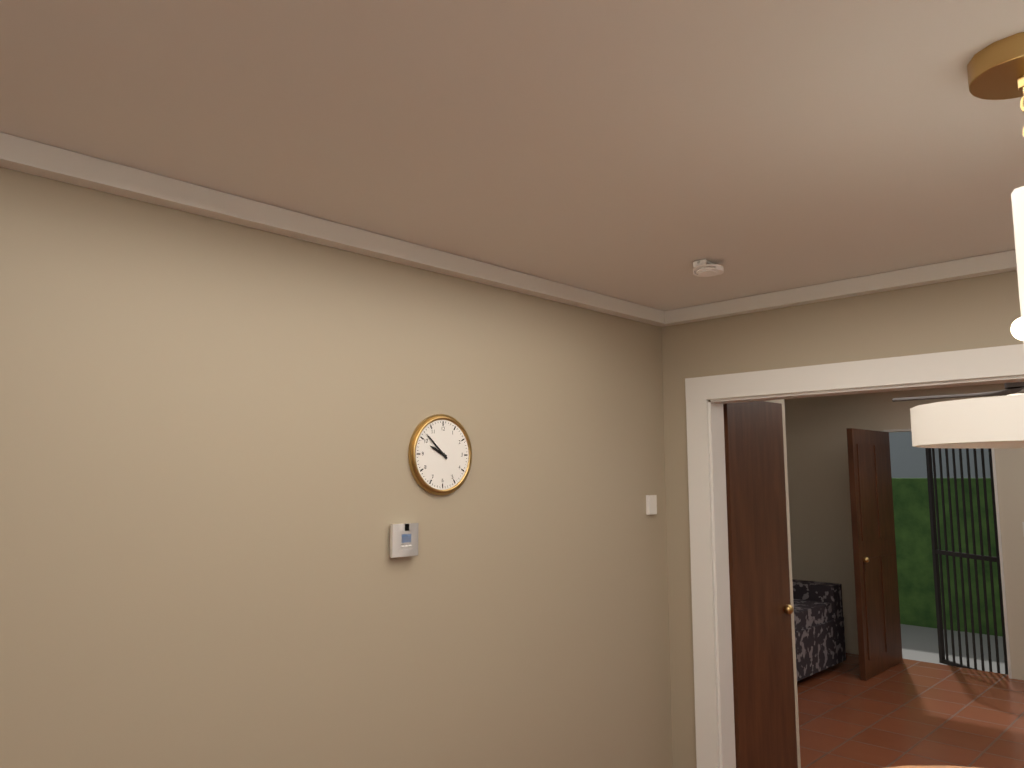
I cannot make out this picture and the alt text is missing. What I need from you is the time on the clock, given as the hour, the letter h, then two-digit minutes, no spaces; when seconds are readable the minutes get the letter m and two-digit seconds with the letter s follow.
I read 9h52
